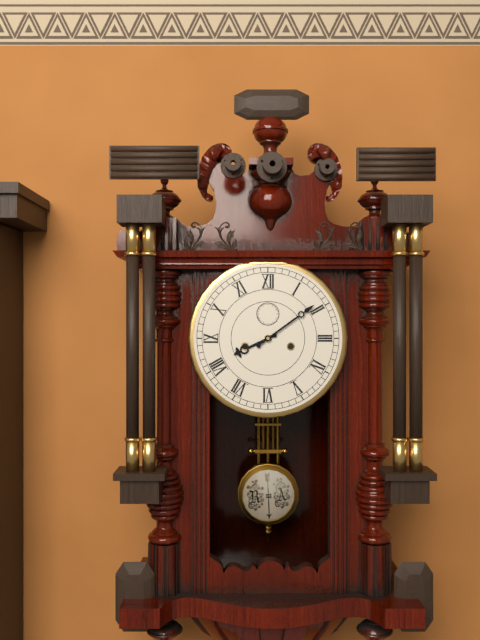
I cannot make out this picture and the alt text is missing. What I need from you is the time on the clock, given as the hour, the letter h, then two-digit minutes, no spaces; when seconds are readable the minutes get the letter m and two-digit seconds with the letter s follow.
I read 8h09
